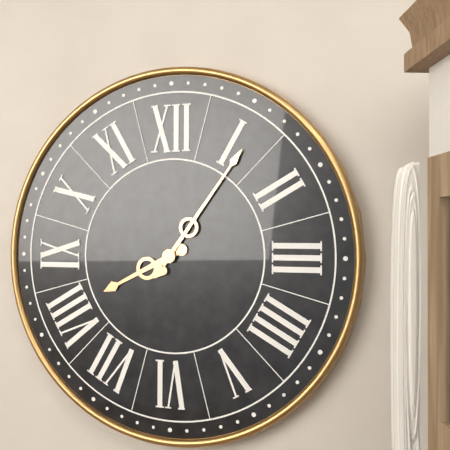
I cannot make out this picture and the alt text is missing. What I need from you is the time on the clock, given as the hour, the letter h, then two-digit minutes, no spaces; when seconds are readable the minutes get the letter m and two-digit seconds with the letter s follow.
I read 8h06
